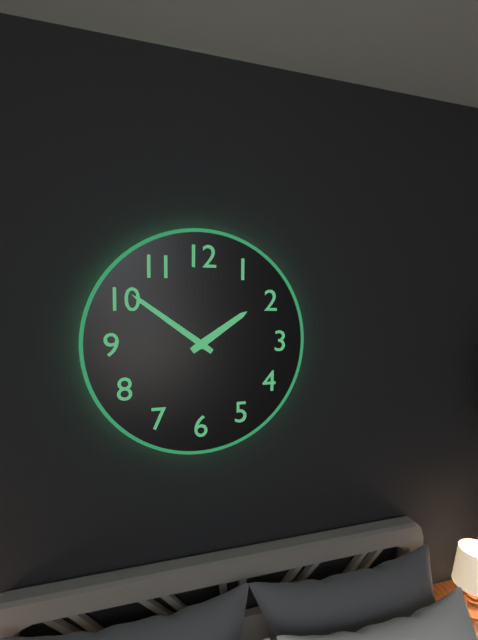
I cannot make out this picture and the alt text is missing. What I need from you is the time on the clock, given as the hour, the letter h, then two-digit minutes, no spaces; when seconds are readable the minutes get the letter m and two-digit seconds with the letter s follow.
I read 1h51
